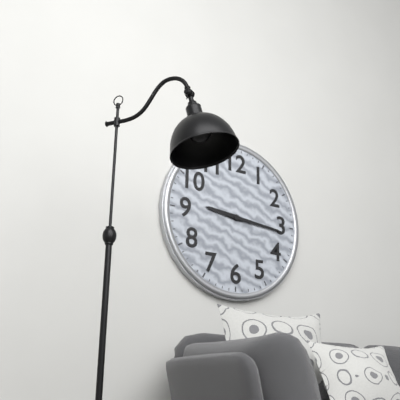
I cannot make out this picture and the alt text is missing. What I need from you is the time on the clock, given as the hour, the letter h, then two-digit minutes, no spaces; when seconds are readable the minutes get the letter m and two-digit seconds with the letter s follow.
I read 9h16
